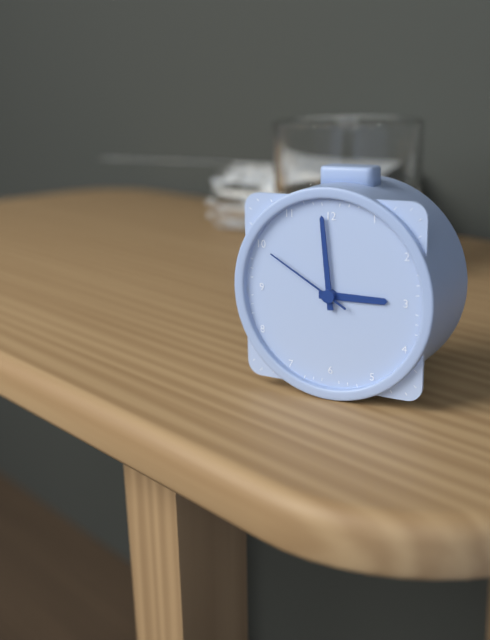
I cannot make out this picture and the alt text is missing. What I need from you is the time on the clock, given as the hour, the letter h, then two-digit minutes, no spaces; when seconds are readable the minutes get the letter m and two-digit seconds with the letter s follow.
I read 2h59m50s
